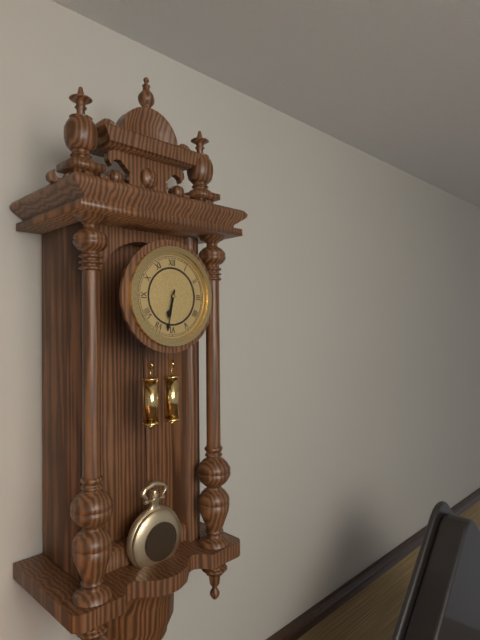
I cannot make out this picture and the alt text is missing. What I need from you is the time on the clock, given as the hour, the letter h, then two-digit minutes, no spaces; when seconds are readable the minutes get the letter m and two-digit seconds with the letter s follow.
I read 6h32
